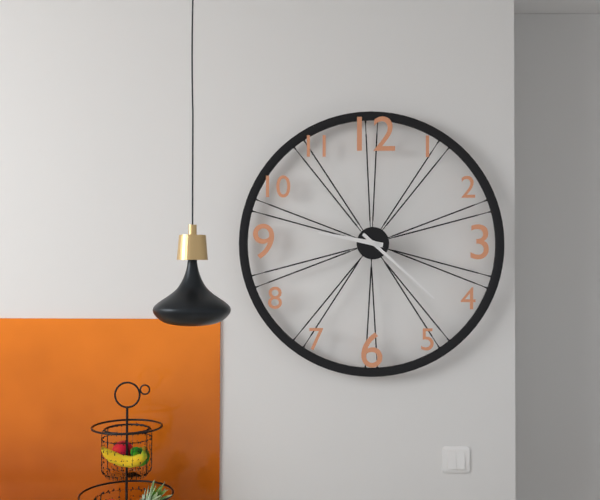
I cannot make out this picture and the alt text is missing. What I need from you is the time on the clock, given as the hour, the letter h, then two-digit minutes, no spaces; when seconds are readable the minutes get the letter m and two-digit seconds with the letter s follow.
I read 9h22
